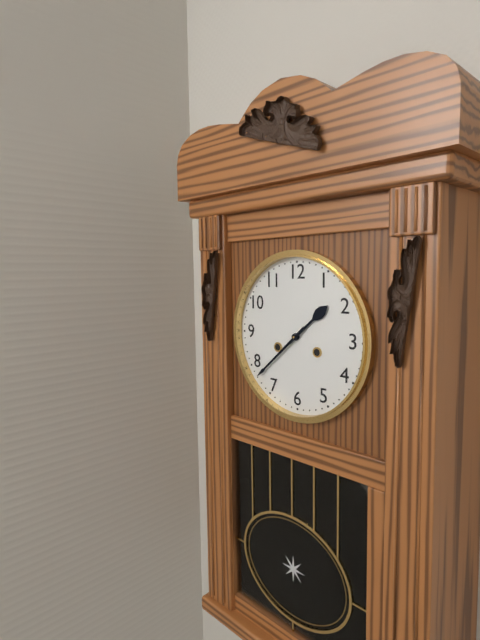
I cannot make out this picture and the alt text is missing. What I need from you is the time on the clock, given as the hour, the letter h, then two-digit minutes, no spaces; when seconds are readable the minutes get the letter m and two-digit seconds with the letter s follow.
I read 1h38
